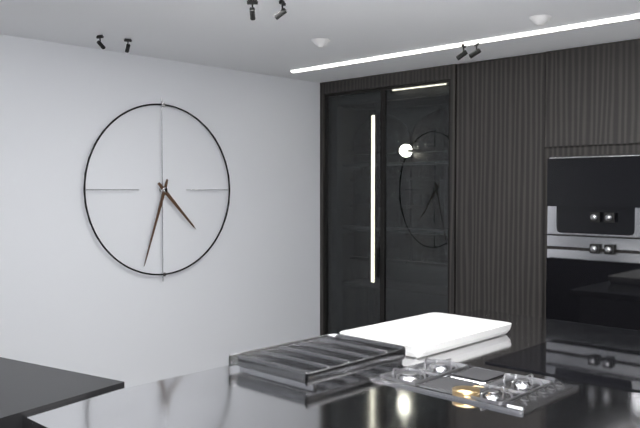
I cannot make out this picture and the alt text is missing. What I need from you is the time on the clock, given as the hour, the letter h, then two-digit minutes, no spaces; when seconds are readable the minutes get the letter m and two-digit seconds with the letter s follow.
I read 4h33
